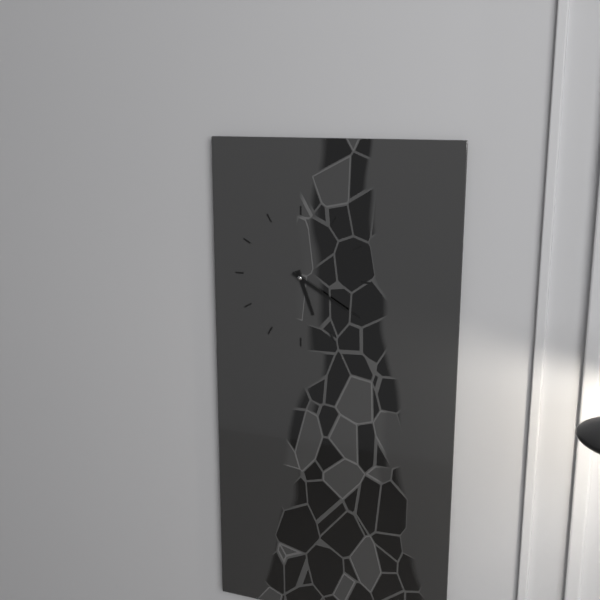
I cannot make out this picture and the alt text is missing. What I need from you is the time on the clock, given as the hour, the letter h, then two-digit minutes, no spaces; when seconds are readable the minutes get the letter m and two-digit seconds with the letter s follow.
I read 5h20
